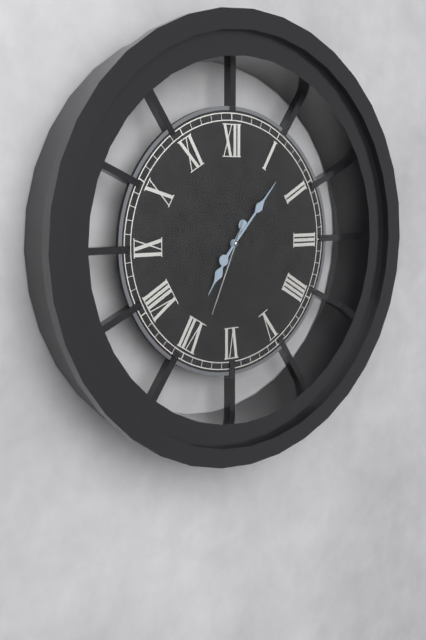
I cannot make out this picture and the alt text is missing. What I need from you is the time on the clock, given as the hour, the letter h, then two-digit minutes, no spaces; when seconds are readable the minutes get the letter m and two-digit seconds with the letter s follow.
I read 7h07m34s
